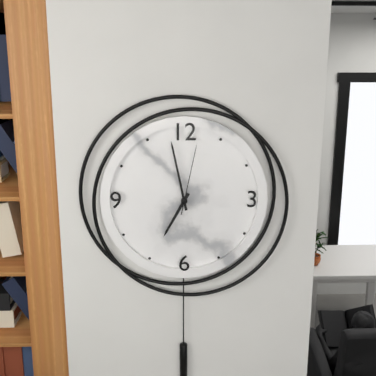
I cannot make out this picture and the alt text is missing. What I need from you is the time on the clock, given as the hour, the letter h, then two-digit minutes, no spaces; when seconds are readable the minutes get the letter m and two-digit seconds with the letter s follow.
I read 6h58m02s
